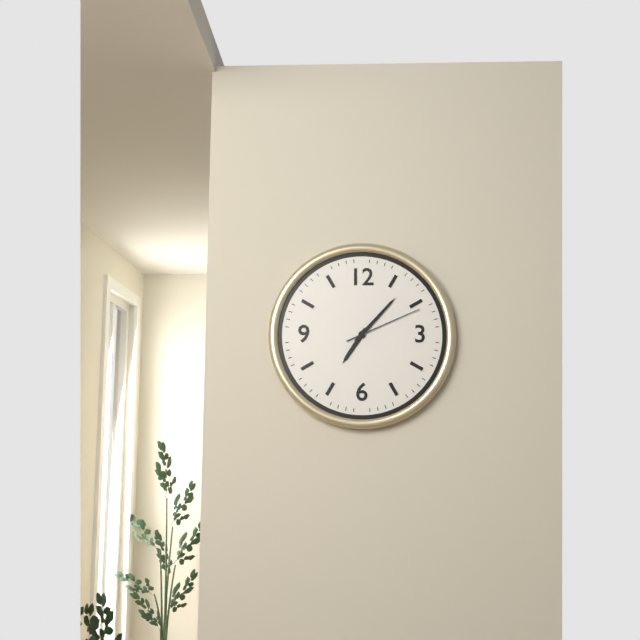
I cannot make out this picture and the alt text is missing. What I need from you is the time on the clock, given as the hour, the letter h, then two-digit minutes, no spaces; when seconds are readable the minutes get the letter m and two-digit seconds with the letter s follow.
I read 7h07m11s
